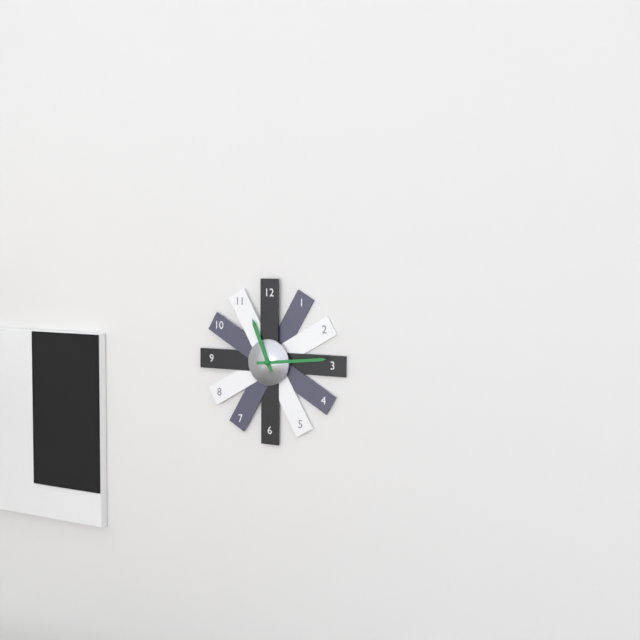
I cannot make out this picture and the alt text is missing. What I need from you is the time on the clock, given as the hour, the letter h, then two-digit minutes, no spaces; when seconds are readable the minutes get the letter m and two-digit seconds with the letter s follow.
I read 11h14
